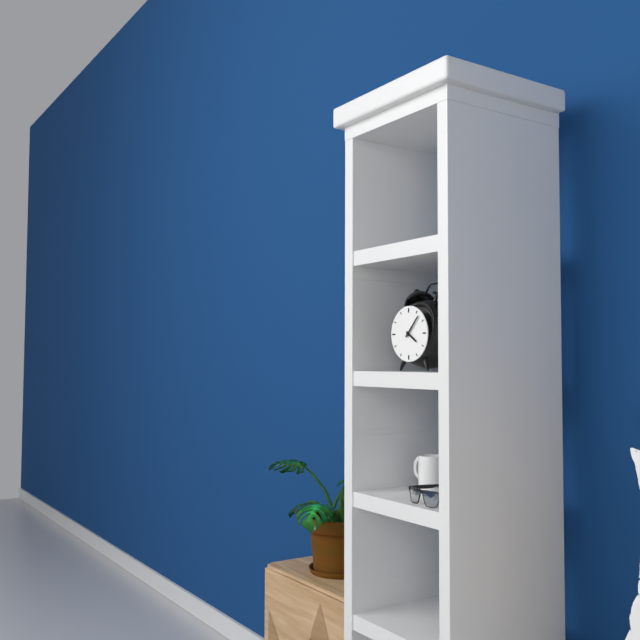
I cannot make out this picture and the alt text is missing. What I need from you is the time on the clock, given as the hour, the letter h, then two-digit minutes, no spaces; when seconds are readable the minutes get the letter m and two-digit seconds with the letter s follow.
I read 4h07
